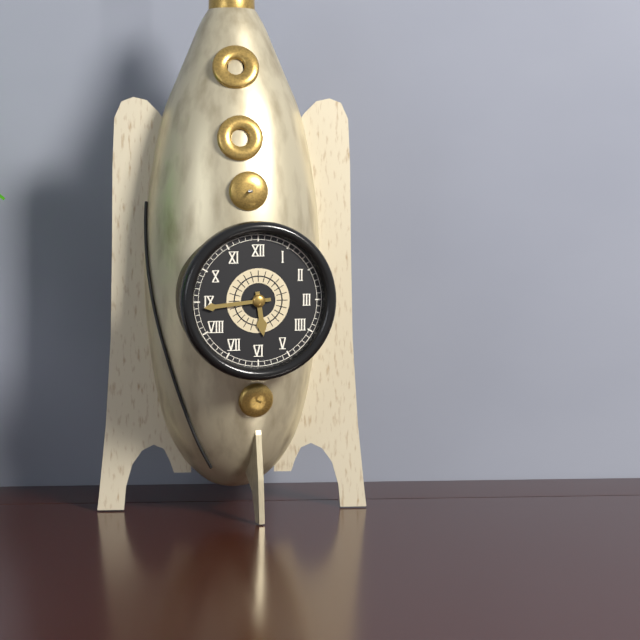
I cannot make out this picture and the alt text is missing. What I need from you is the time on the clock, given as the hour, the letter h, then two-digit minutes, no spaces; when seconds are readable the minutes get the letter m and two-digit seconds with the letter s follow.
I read 5h44
